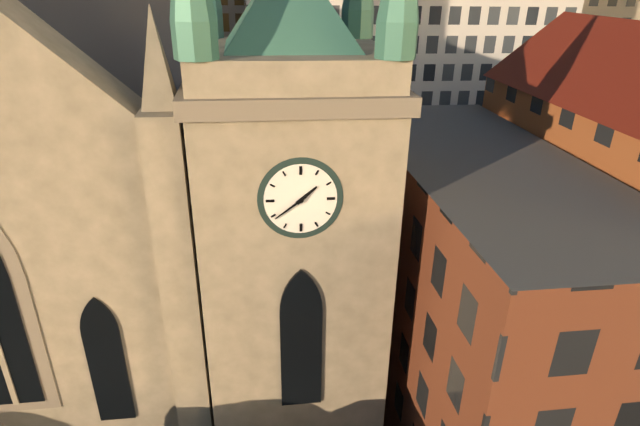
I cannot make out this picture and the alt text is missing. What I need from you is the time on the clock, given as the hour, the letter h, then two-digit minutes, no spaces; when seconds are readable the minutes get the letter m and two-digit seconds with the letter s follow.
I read 1h39
